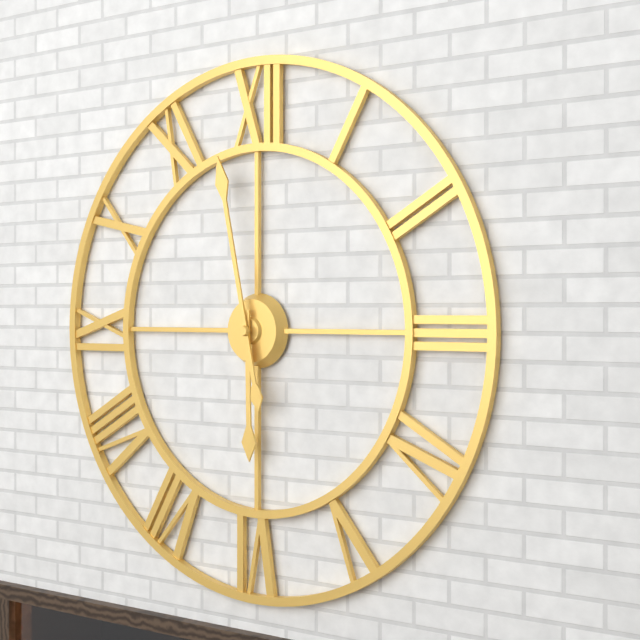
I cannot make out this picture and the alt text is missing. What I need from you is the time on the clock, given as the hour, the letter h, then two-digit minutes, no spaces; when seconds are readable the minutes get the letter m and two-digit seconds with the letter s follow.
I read 5h58
